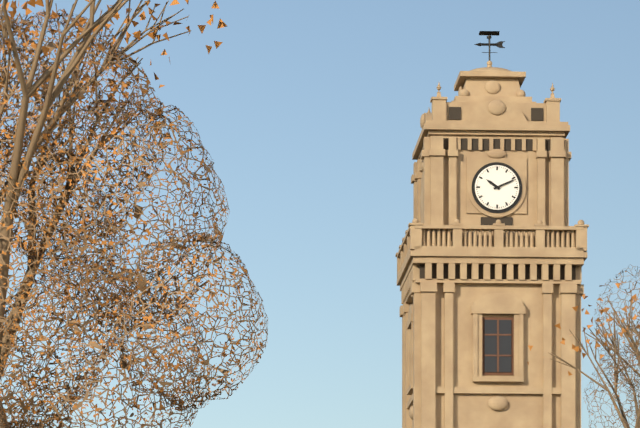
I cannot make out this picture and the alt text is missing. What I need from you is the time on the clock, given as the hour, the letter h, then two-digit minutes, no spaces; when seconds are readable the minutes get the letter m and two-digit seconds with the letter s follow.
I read 10h11
